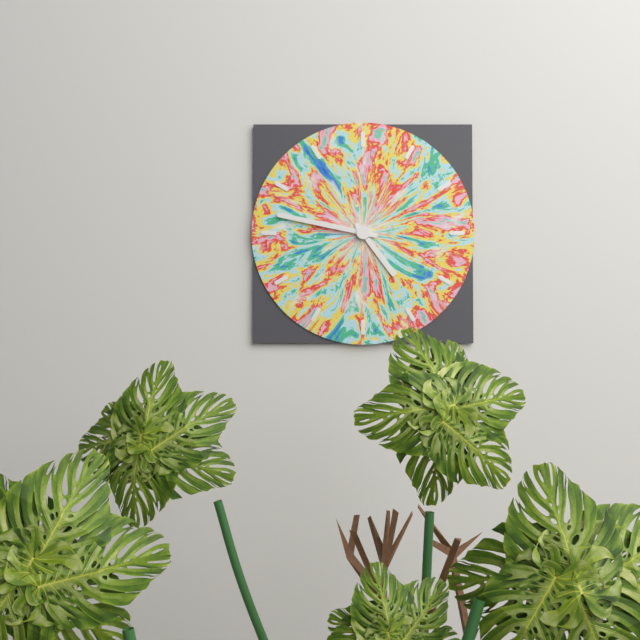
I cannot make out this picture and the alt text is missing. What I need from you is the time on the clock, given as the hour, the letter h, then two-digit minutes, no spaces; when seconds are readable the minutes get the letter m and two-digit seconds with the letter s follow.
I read 4h47
